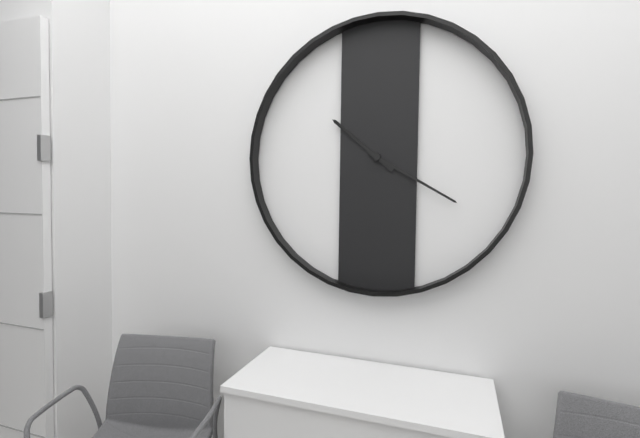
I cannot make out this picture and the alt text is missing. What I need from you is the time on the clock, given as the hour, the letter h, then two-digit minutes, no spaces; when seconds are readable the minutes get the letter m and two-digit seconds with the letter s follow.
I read 10h20
